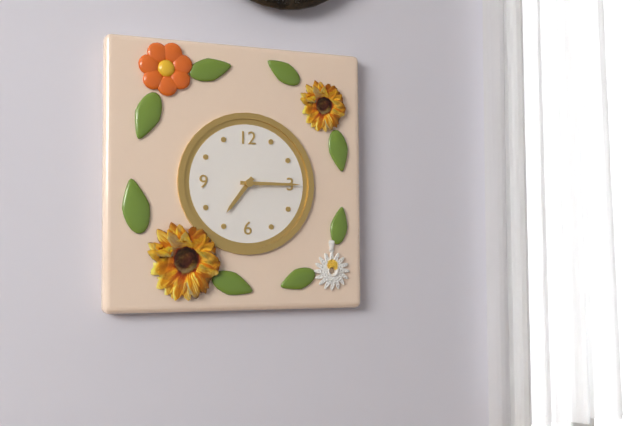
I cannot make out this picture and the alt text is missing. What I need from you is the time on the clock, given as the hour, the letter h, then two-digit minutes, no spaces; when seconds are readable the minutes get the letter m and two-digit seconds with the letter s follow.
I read 7h15
